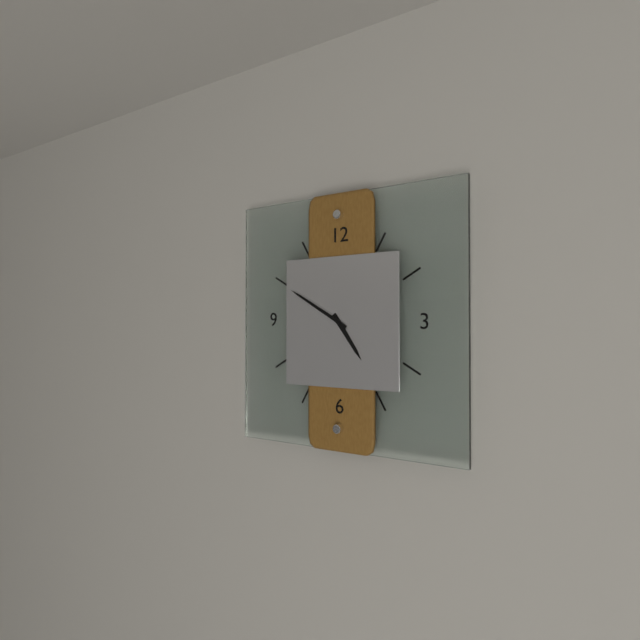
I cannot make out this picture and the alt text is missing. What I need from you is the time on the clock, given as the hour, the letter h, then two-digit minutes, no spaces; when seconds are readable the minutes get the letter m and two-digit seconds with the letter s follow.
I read 4h50
